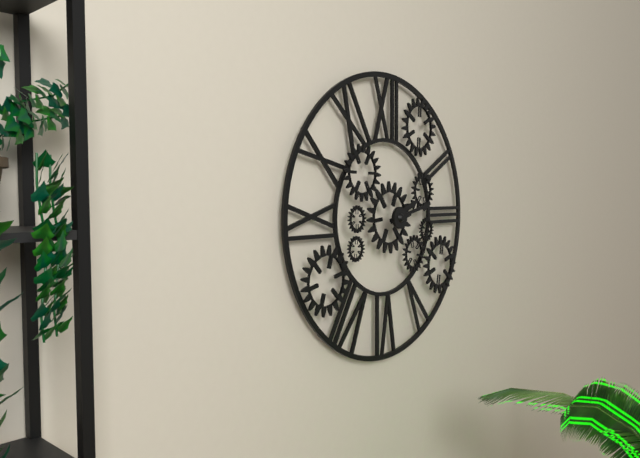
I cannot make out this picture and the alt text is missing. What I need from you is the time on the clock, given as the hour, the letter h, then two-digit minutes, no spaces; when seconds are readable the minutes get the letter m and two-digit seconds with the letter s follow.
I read 2h13
